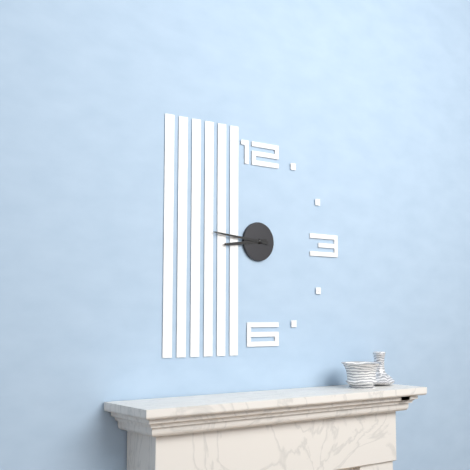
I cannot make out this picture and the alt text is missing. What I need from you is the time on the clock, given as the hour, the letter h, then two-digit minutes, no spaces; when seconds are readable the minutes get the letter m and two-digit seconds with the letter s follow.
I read 8h46
